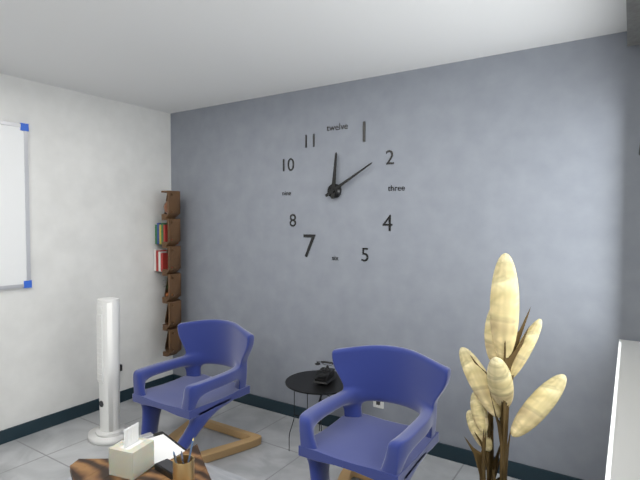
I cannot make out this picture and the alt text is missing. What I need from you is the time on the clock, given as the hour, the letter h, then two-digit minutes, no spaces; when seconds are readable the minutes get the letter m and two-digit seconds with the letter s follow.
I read 12h10
